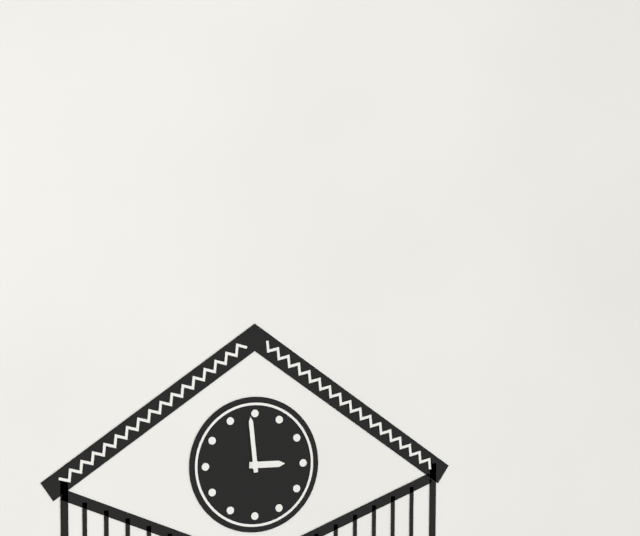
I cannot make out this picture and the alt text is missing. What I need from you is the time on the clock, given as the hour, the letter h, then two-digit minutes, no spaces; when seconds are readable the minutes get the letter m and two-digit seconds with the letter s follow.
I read 2h59
